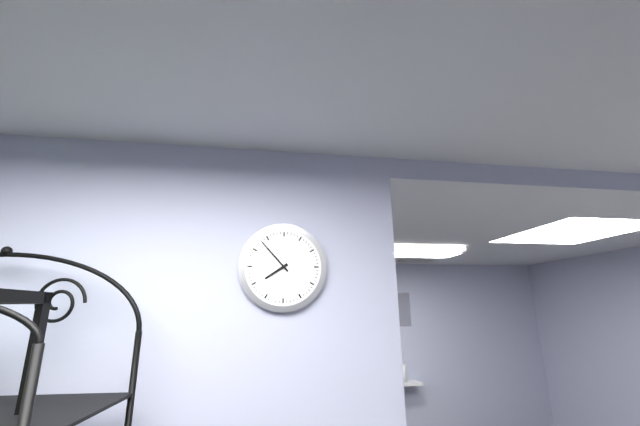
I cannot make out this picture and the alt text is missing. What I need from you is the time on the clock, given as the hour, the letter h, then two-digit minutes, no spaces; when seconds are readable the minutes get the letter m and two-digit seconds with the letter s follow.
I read 7h53
